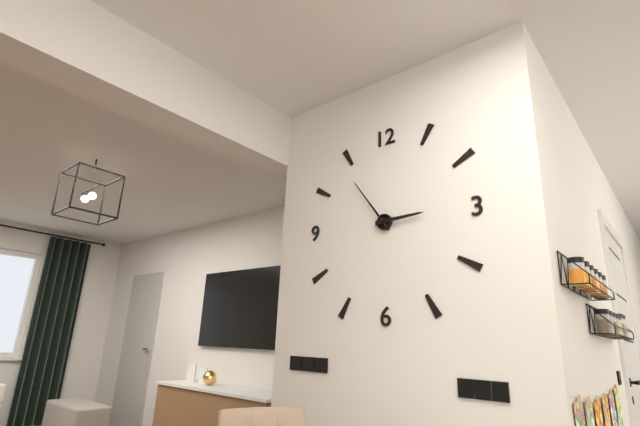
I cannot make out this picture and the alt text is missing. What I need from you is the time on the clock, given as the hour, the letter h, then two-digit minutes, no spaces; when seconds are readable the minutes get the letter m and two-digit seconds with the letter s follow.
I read 2h54
